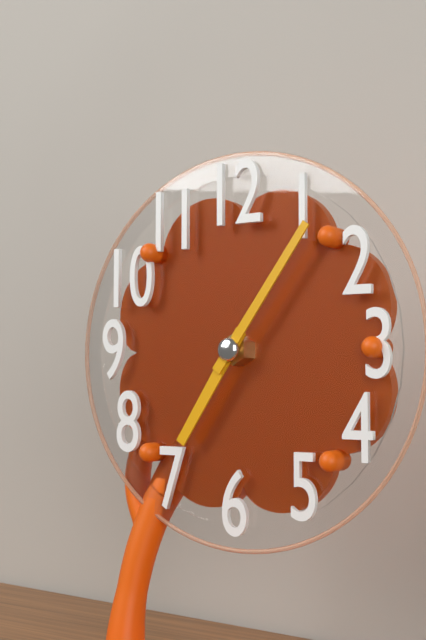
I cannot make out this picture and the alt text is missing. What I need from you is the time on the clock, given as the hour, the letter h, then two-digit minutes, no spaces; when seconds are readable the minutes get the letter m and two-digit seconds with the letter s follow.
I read 7h06
